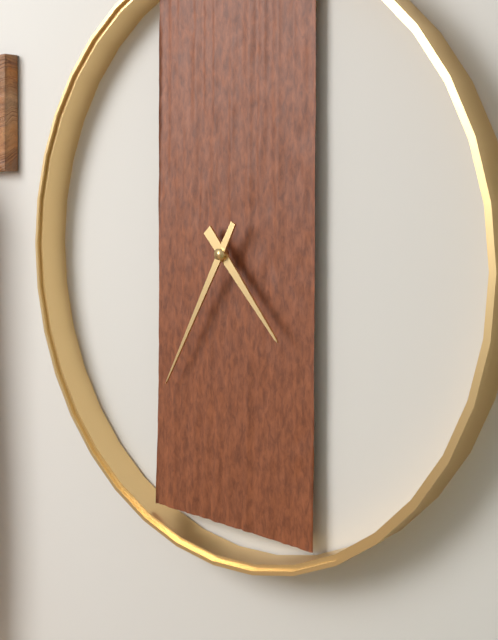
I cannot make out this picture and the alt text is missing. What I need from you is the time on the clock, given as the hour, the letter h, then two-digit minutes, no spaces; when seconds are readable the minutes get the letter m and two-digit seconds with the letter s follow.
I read 4h35
